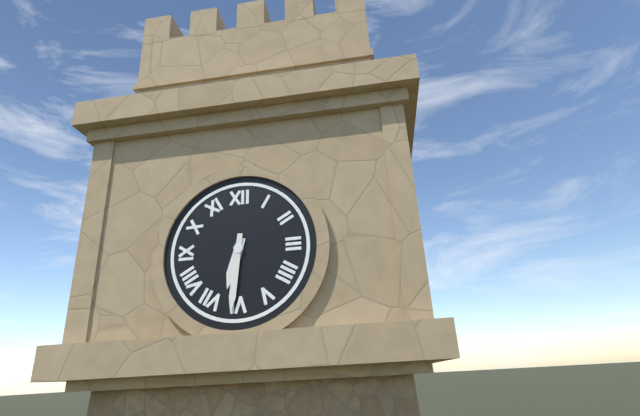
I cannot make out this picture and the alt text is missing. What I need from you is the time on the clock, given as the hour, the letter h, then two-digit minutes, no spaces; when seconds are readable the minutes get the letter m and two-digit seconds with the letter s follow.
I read 6h31
